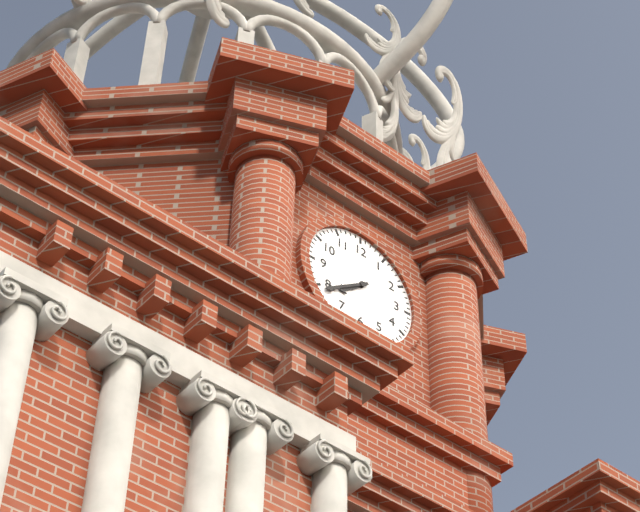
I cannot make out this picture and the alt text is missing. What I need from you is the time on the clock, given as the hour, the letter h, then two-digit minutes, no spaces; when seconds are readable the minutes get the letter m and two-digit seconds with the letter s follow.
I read 7h39
